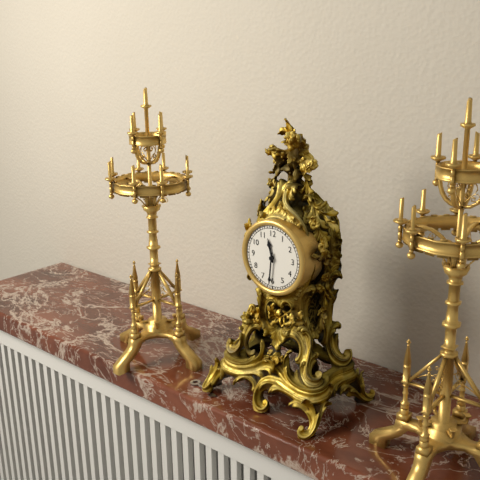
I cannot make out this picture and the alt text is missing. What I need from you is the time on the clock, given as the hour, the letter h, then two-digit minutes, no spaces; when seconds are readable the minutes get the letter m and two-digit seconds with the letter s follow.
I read 11h31
